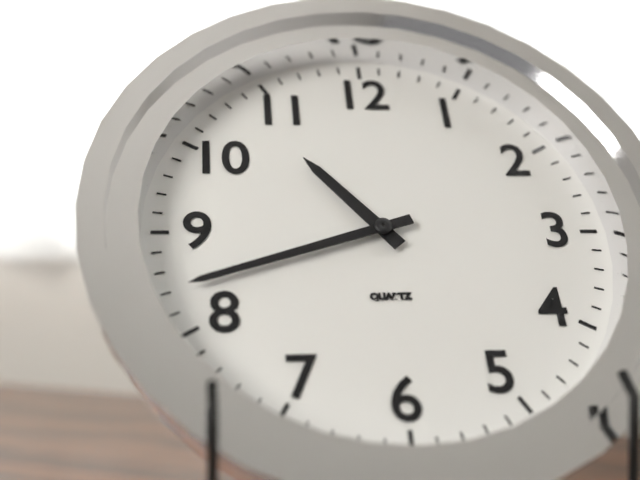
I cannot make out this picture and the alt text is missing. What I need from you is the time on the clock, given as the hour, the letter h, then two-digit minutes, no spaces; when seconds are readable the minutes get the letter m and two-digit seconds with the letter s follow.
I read 10h42
